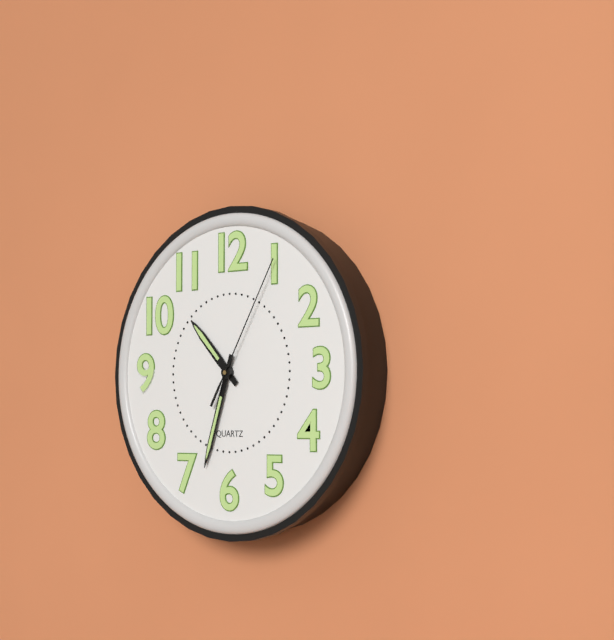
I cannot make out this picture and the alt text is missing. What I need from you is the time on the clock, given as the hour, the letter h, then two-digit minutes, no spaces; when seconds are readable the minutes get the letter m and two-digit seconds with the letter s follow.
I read 10h33m05s
